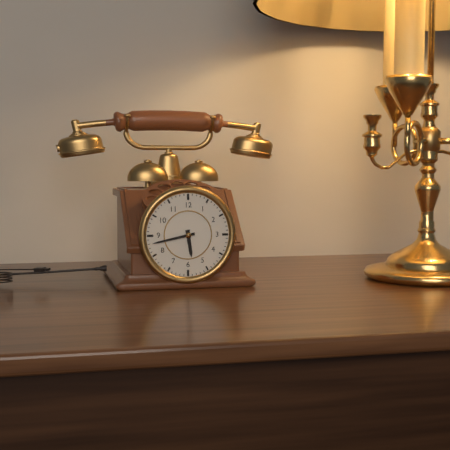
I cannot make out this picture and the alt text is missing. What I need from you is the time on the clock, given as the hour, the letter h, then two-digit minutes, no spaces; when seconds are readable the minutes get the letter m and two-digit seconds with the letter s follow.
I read 5h43
